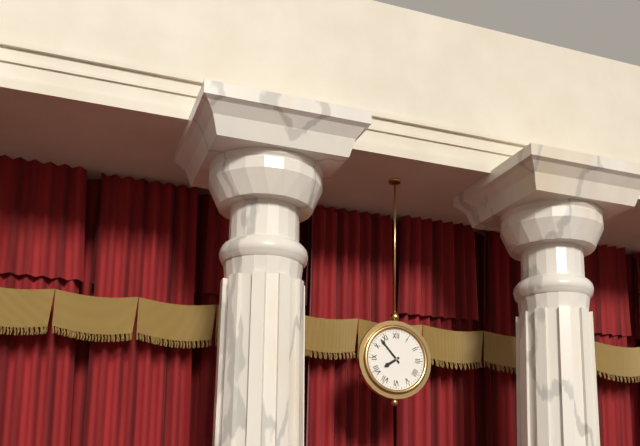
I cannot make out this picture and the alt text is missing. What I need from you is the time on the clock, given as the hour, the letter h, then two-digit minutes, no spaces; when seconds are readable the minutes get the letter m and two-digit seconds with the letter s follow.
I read 7h53
